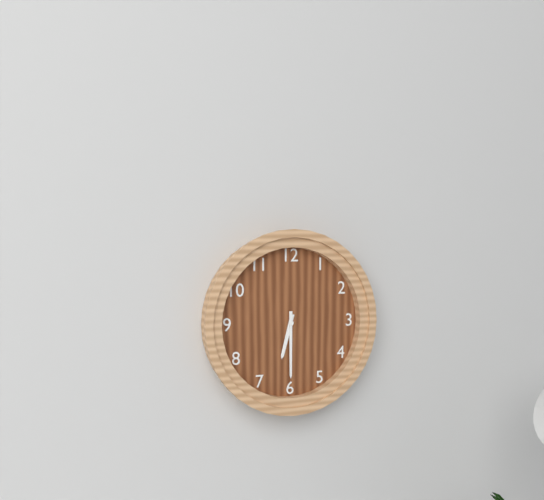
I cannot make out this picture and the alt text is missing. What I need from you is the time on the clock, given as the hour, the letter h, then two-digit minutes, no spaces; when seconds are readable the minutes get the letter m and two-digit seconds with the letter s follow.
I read 6h30
